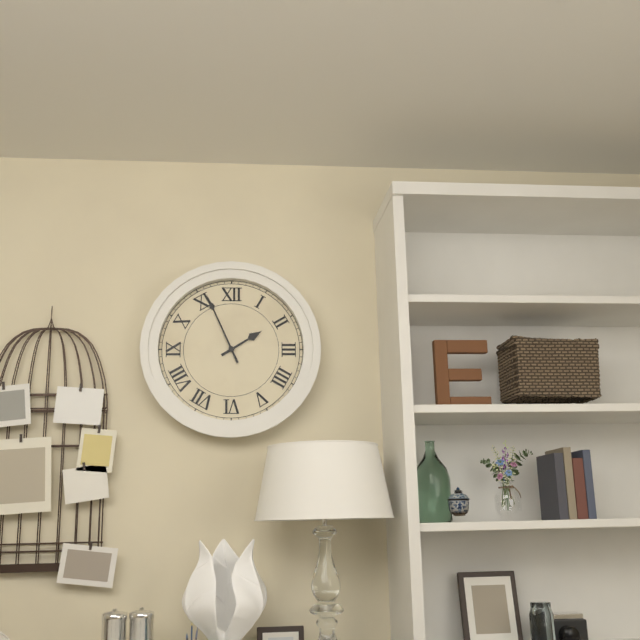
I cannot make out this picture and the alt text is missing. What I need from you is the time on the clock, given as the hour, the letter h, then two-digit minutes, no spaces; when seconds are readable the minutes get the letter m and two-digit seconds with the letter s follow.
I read 1h56
